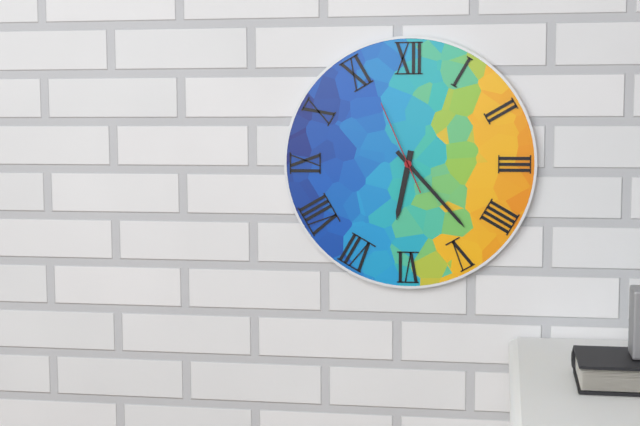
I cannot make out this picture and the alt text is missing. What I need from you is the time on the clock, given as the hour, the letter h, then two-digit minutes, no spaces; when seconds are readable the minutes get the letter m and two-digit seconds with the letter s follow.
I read 6h23m56s
